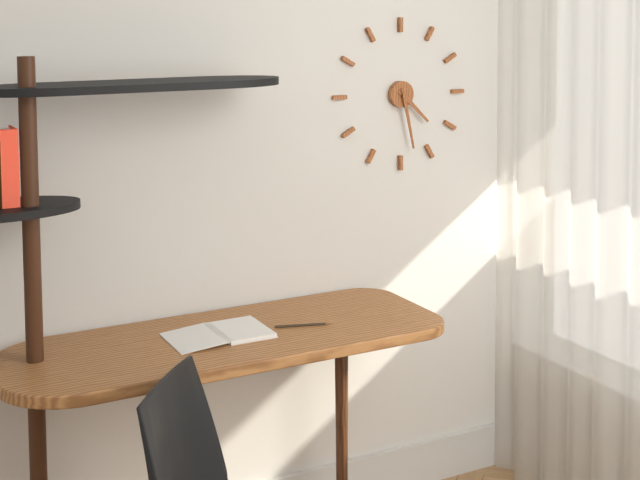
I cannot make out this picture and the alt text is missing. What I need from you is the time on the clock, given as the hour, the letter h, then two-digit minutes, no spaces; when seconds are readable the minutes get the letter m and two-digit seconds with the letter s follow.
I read 4h28
